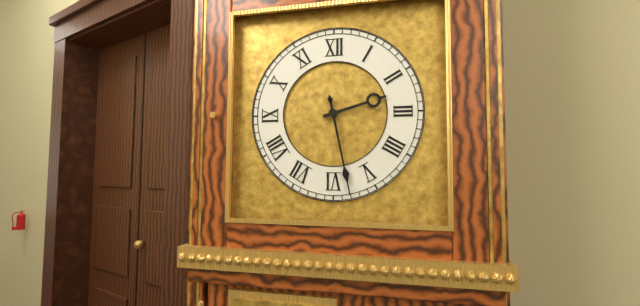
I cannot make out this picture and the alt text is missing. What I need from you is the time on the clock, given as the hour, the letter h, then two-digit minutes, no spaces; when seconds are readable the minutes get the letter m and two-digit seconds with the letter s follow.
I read 2h28
